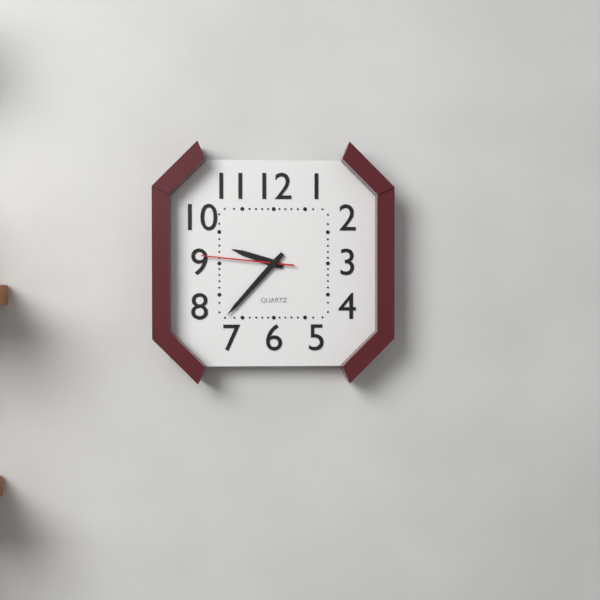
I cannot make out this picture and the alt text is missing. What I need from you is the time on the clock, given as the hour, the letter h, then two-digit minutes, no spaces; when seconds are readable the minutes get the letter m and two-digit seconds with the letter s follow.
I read 9h37m46s
